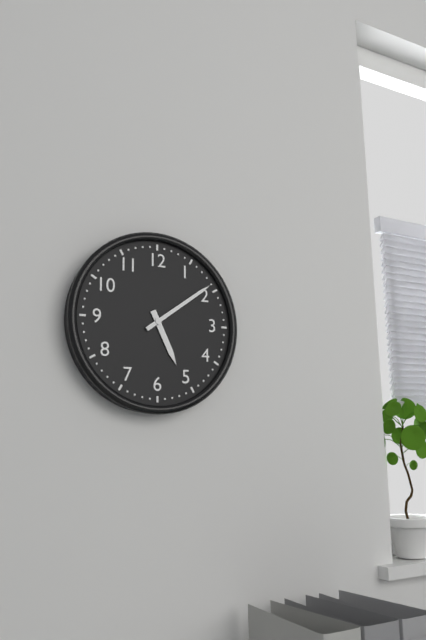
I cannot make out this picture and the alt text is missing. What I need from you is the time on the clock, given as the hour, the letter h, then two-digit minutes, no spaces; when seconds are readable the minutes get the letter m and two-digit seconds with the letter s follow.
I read 5h09
